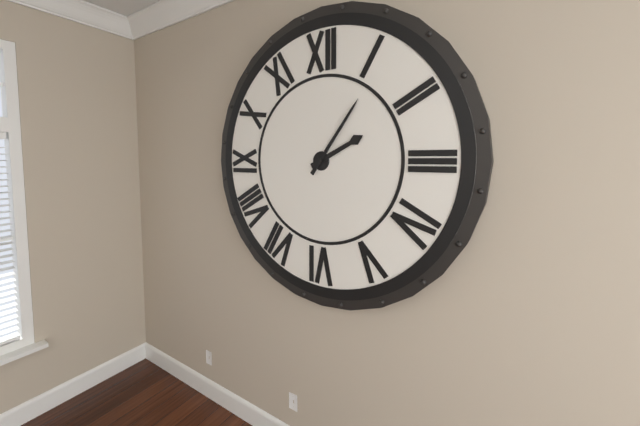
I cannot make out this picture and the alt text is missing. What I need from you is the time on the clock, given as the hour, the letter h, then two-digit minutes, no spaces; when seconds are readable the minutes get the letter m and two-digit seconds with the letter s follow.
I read 2h06
